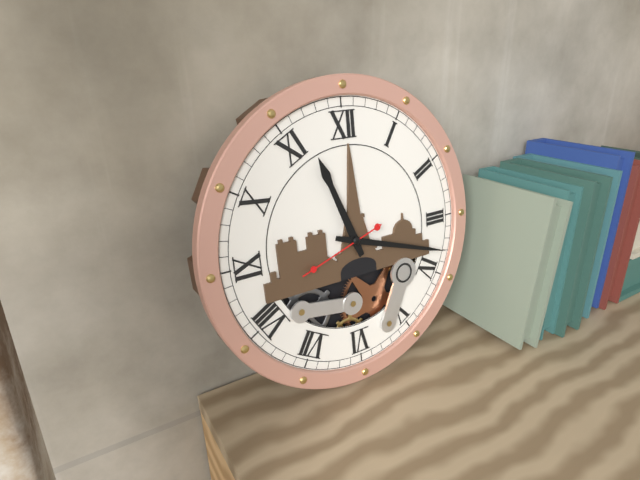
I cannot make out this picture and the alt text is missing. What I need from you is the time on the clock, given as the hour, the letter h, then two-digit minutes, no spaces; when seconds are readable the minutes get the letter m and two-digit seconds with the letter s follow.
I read 11h18m42s
